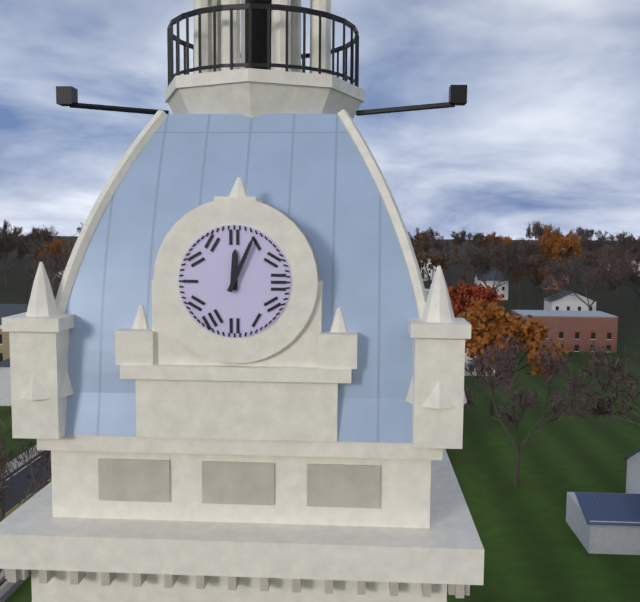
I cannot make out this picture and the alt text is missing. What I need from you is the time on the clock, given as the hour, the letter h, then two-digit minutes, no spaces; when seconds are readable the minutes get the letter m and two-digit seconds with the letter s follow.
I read 12h04
